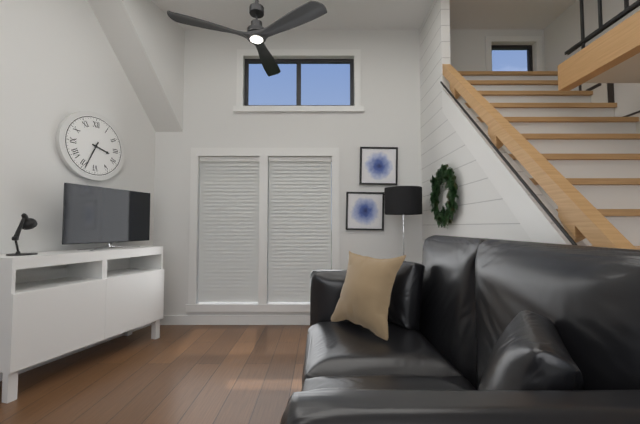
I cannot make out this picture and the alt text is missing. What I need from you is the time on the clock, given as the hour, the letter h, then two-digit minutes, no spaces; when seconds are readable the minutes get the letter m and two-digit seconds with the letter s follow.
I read 3h34
